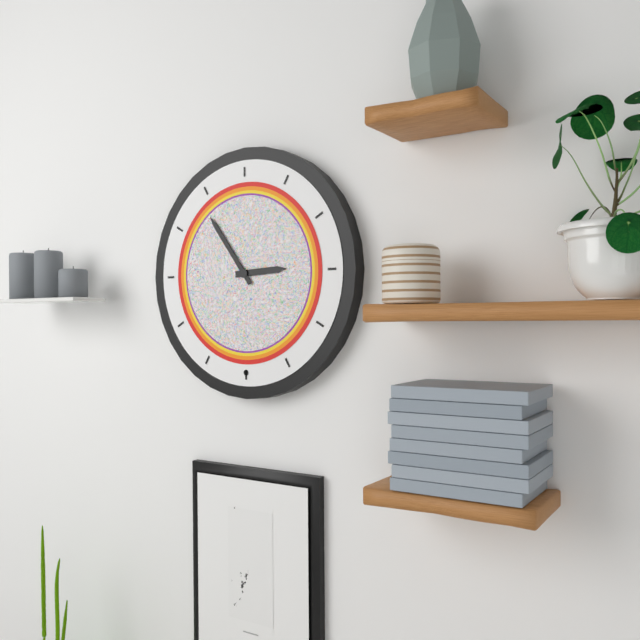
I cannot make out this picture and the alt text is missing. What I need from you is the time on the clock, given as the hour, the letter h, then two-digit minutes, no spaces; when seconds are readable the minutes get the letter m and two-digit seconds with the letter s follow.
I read 2h54
